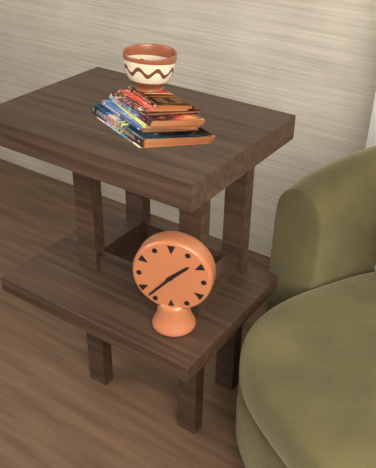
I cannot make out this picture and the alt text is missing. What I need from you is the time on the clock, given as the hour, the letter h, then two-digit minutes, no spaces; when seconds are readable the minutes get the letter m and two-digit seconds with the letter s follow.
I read 1h37
